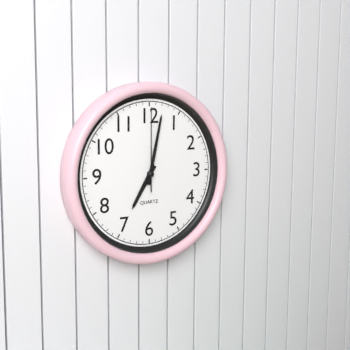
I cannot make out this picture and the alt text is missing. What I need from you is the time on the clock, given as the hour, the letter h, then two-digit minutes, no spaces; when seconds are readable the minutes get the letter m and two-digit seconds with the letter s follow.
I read 7h02m00s
